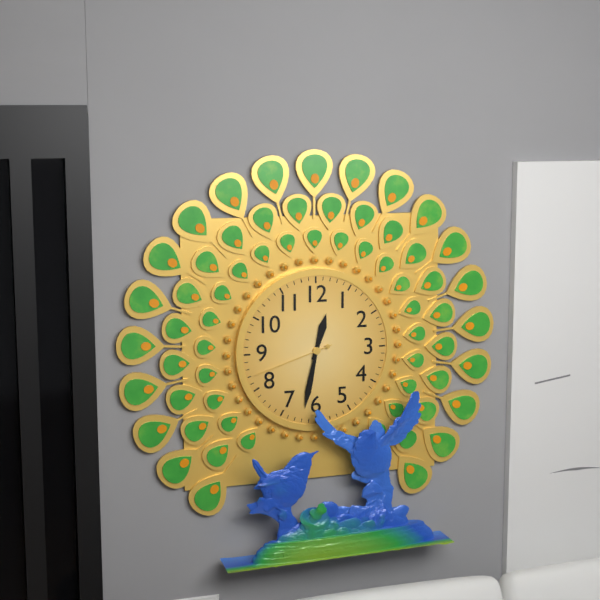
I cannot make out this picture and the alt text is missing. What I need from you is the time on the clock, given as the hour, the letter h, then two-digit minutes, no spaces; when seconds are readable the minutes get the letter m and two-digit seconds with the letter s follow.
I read 12h32m42s
